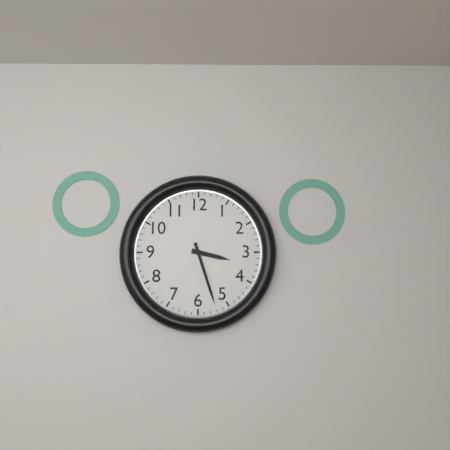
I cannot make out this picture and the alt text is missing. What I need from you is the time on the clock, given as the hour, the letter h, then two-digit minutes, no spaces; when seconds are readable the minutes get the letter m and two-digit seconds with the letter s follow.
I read 3h27
